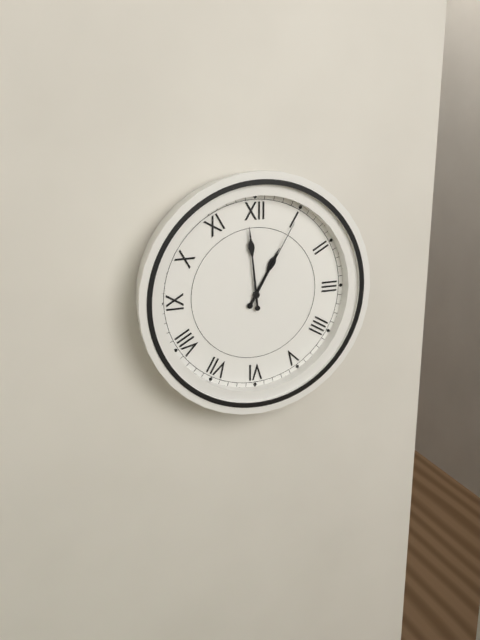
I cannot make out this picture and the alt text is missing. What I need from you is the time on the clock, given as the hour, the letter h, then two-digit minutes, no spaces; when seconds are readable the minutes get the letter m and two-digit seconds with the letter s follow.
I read 12h59m05s
